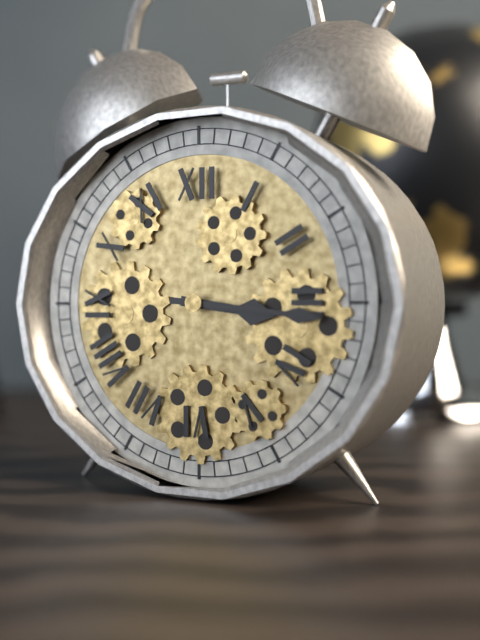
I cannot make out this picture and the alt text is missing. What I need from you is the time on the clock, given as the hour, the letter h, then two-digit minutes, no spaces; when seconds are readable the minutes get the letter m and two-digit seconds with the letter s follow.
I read 3h16
